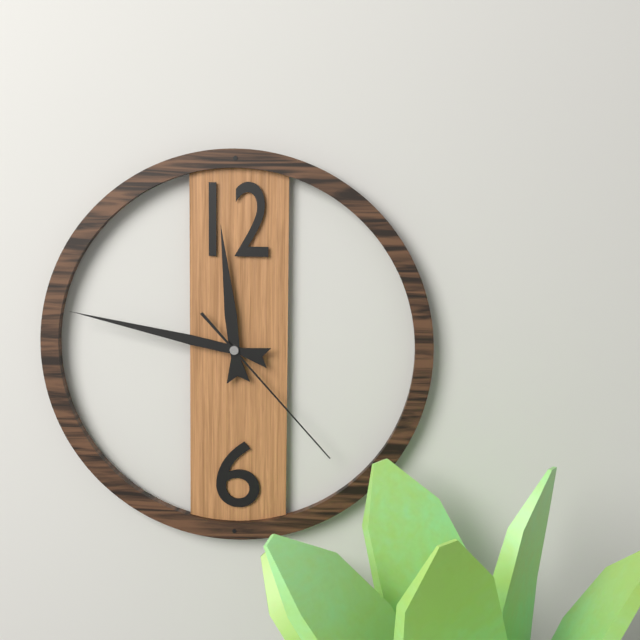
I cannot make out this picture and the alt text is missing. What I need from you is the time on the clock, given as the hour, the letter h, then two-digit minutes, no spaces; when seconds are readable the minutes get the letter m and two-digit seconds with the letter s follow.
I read 11h47m23s
